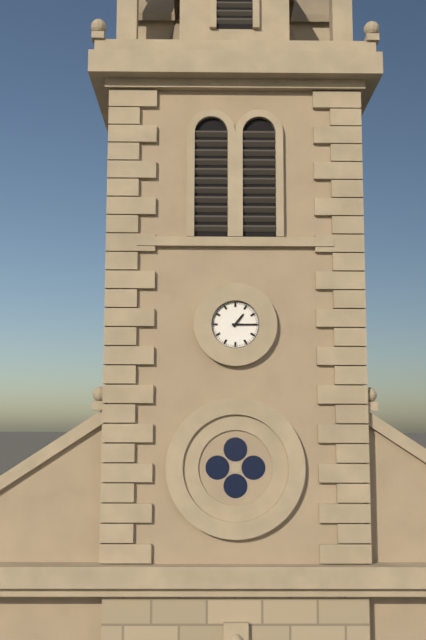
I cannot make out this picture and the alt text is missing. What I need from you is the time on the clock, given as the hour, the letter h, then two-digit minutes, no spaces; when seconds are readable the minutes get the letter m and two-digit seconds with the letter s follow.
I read 1h15
